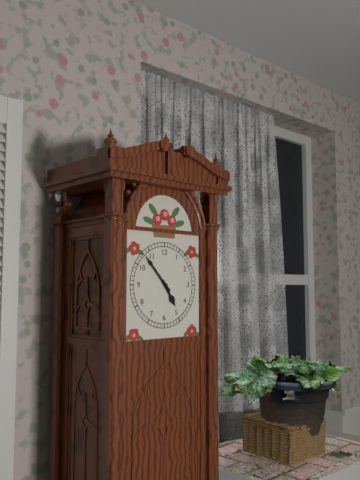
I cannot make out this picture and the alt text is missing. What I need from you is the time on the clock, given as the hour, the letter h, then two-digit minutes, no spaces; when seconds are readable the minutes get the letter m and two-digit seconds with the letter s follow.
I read 4h53
